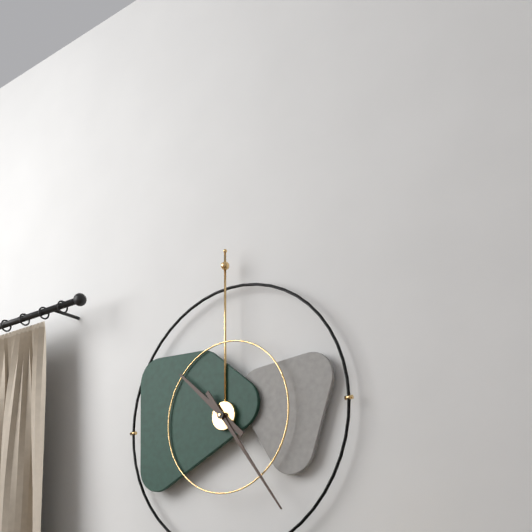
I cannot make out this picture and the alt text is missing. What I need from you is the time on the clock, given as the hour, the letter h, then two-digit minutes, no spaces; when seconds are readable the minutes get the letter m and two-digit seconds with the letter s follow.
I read 10h24
